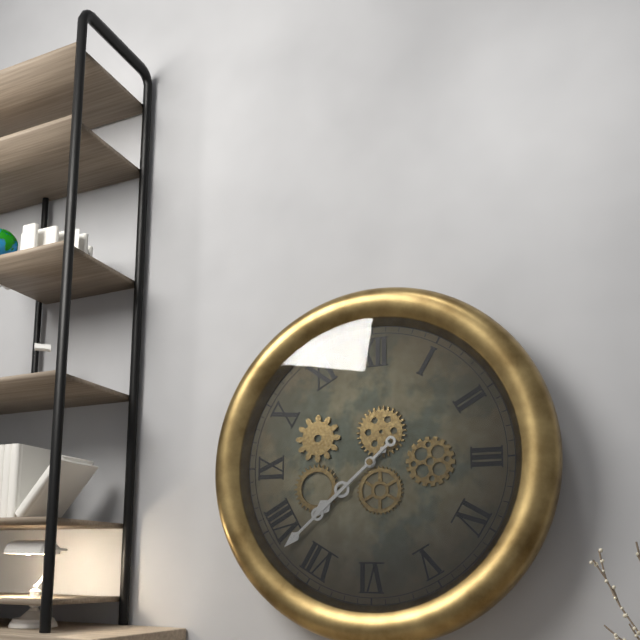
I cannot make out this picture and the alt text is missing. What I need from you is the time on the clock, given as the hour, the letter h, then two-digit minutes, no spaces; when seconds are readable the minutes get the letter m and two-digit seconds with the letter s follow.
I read 7h38
